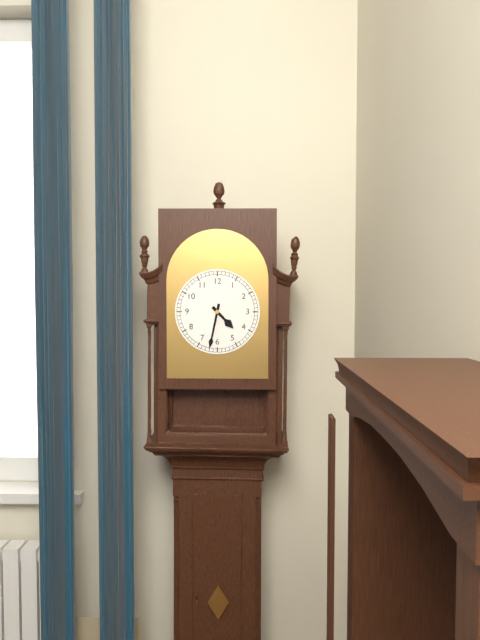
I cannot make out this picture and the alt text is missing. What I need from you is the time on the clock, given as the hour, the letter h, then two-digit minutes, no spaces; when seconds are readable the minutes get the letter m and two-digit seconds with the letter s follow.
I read 4h32
